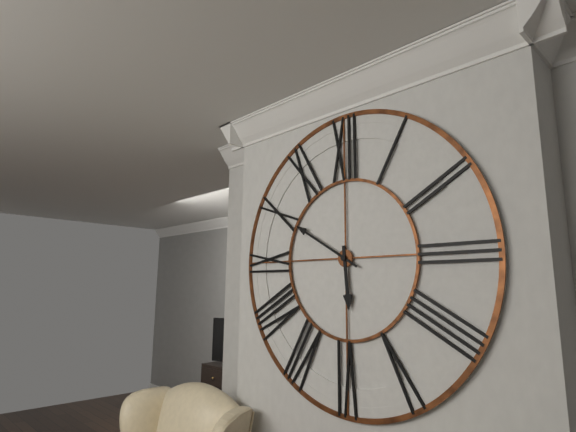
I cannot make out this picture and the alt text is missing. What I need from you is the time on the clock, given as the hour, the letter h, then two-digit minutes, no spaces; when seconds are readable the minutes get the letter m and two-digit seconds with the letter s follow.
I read 5h50
